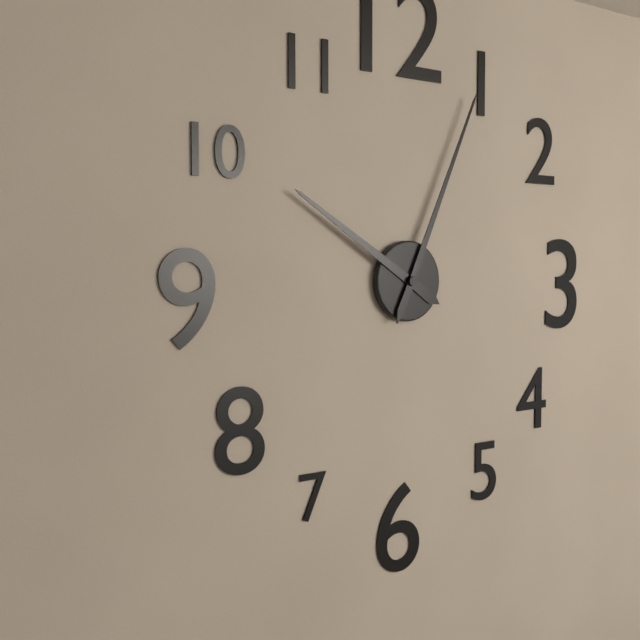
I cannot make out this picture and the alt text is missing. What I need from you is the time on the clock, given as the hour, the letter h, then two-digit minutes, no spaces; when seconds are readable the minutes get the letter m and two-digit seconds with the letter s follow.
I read 10h04
